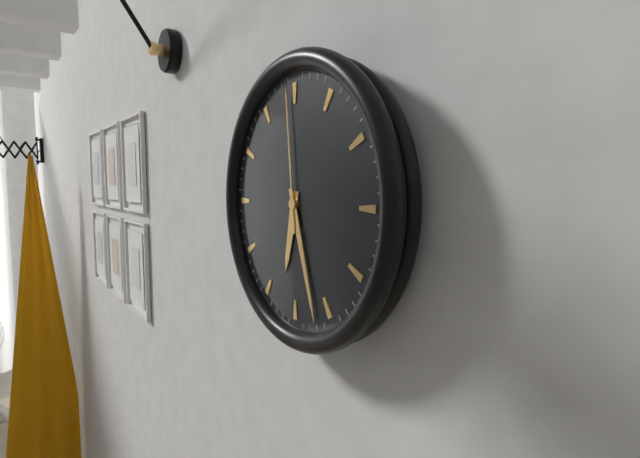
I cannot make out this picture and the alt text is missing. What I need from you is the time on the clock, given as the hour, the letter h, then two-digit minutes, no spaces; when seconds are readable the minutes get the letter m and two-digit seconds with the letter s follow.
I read 6h27m59s
